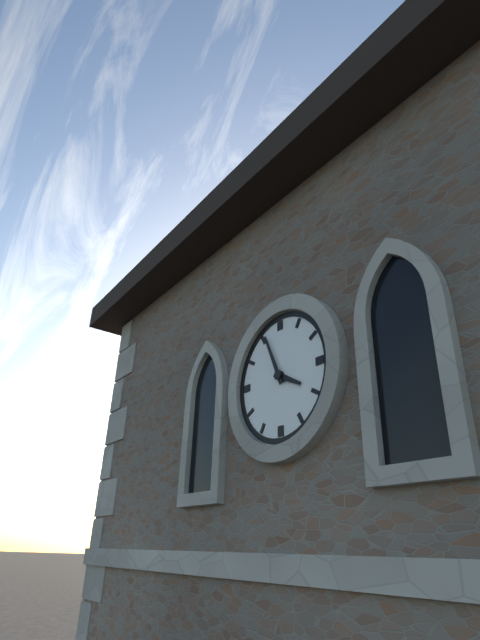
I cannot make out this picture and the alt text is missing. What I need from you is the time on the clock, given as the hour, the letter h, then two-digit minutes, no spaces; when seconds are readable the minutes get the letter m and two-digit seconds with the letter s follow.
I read 3h56
